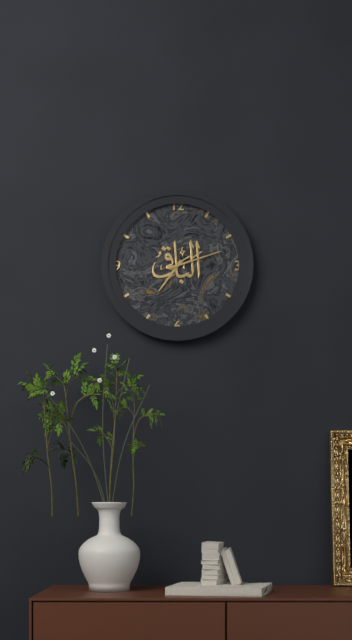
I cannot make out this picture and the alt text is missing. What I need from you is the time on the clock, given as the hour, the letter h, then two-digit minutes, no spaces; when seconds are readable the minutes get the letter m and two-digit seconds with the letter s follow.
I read 7h12
